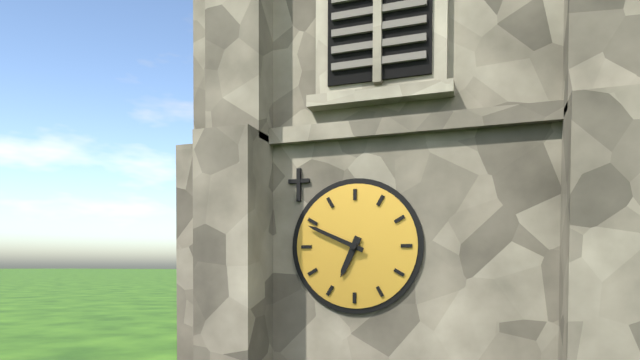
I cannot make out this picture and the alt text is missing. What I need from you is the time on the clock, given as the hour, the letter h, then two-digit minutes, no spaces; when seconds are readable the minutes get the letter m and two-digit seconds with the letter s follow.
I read 6h49
